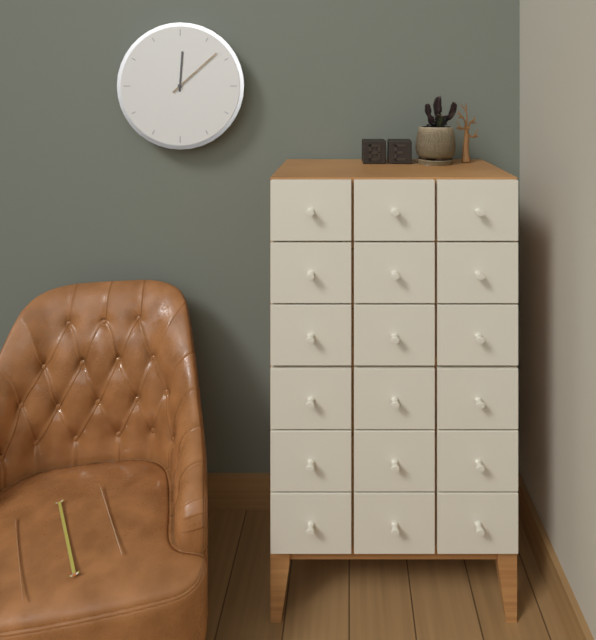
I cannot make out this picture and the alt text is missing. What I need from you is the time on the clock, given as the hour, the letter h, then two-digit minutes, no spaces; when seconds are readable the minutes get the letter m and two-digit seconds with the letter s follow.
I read 12h08
